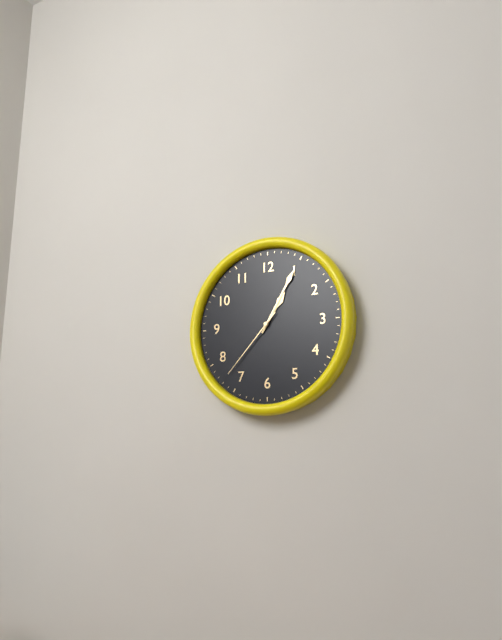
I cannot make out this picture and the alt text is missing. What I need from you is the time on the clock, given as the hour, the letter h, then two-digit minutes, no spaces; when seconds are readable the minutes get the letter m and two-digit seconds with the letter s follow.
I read 1h05m37s
